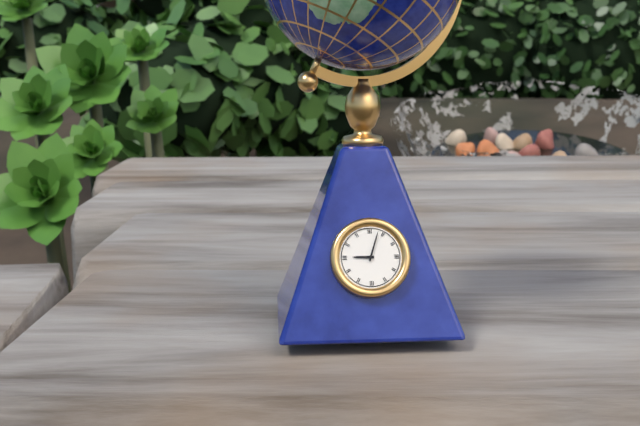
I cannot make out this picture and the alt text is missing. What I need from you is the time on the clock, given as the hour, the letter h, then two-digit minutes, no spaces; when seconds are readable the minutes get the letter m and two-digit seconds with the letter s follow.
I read 9h03
